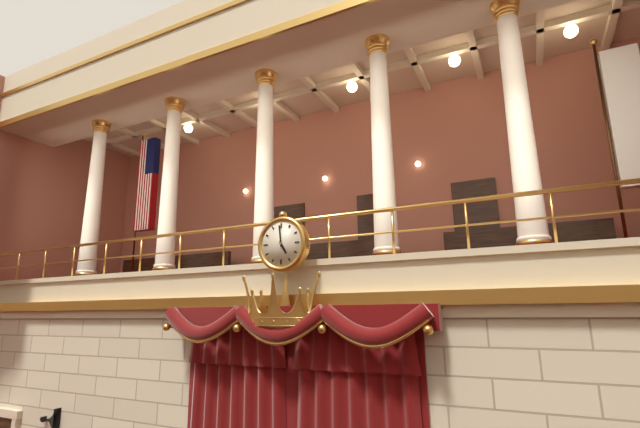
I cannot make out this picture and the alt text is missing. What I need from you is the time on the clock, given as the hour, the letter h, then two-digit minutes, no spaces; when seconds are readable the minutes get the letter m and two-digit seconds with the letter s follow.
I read 4h59
